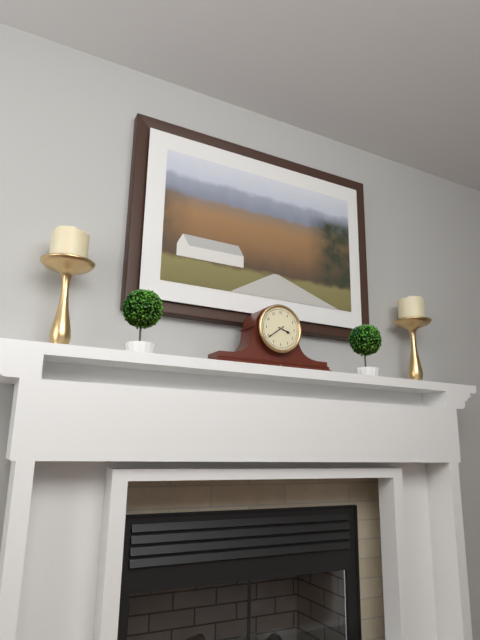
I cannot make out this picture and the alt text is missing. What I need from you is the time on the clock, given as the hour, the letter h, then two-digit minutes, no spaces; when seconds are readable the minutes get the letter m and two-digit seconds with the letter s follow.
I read 3h39
